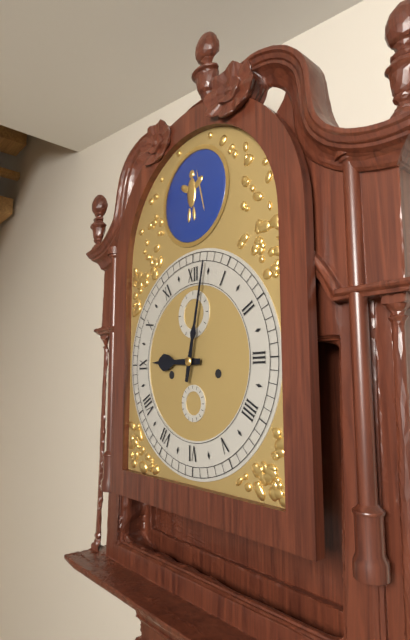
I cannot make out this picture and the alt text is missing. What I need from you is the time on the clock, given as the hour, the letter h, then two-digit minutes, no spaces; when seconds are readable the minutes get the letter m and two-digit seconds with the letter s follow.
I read 9h02
